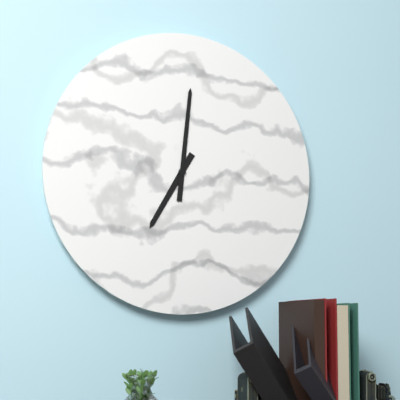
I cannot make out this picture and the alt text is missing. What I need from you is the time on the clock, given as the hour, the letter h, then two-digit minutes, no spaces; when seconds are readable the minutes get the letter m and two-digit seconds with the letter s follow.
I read 7h01
